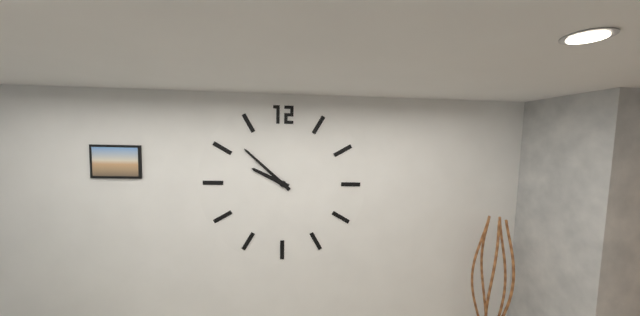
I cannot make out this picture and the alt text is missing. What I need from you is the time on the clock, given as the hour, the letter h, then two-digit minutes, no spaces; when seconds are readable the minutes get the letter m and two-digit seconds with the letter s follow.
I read 9h52
